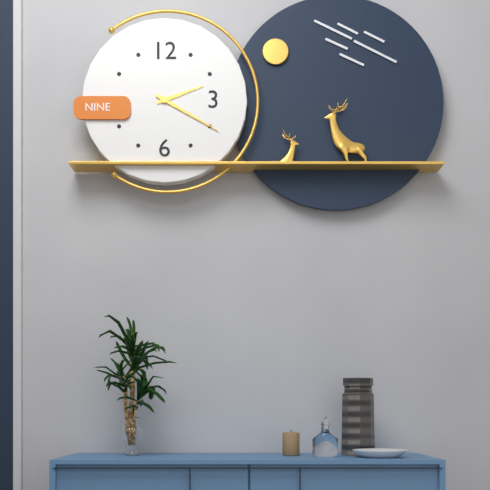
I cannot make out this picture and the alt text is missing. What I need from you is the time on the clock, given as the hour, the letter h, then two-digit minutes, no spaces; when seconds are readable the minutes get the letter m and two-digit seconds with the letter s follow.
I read 2h20
